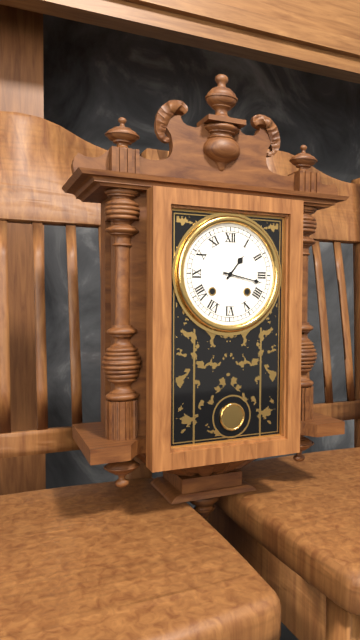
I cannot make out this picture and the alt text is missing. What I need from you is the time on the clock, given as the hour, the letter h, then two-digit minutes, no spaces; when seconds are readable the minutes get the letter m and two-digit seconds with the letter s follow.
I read 1h17
